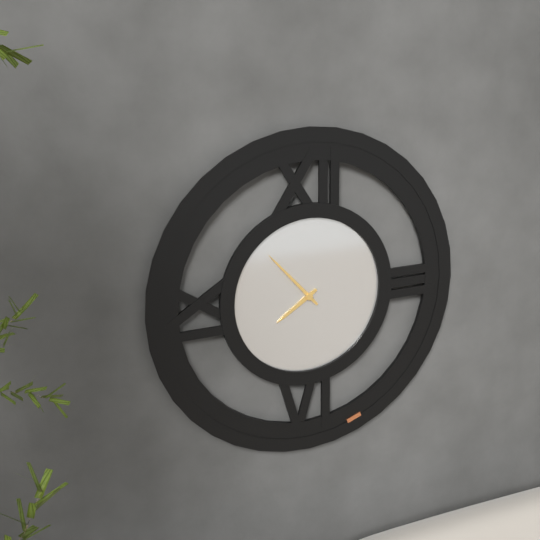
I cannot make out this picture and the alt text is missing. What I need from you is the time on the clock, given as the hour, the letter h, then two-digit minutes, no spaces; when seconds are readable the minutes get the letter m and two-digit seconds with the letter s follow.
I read 7h53
